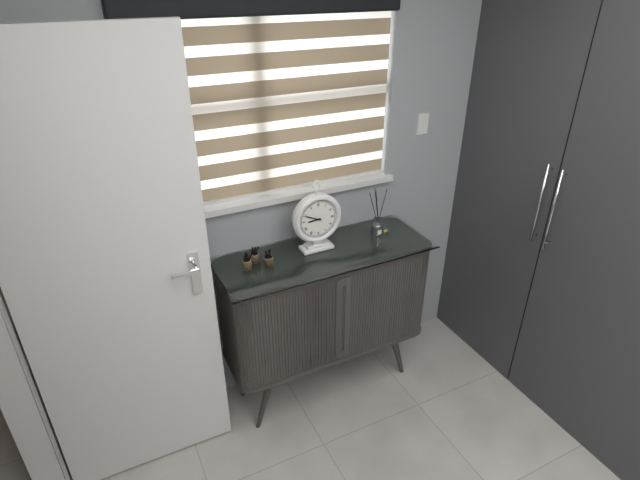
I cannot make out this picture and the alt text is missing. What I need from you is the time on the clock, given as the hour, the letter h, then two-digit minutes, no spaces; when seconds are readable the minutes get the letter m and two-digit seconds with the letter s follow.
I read 8h49
